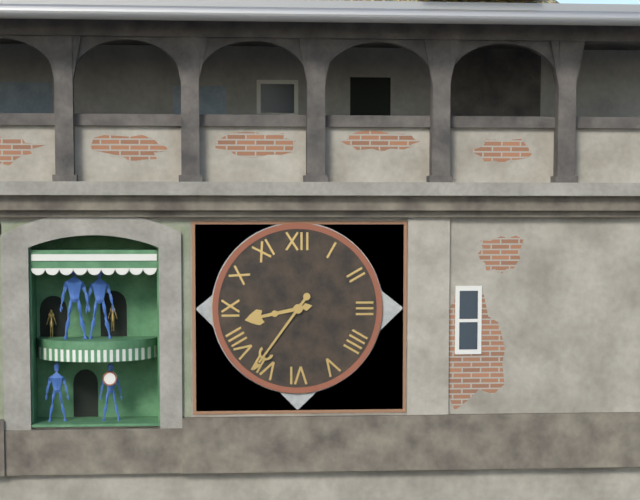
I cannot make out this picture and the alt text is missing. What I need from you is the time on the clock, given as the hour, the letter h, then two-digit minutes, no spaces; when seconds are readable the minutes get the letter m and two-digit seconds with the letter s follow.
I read 8h36
